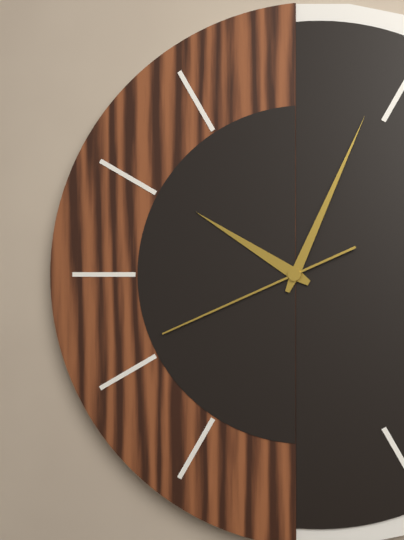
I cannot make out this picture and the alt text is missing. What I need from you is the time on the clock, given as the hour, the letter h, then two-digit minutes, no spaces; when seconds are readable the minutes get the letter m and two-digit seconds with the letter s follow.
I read 10h04m41s
